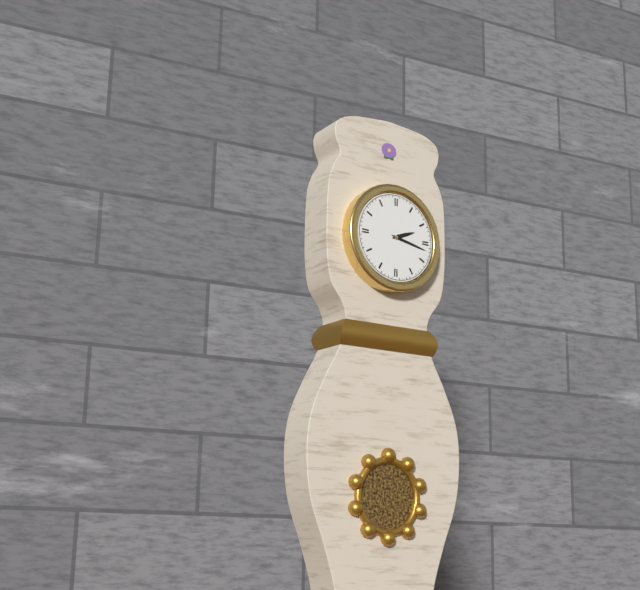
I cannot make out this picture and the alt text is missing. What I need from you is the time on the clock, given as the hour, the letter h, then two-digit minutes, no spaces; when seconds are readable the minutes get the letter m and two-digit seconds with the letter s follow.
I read 2h17
